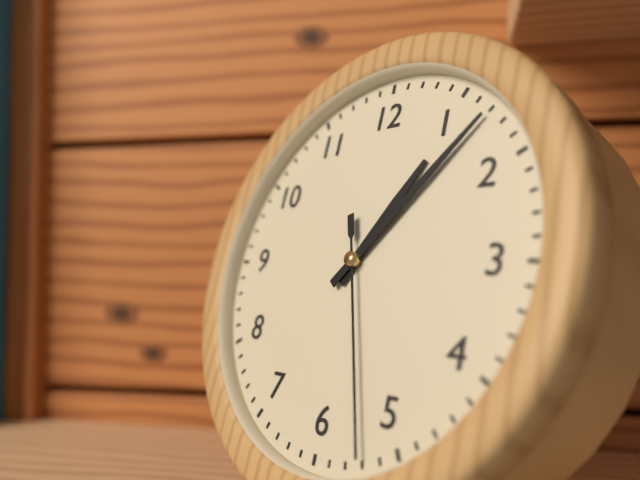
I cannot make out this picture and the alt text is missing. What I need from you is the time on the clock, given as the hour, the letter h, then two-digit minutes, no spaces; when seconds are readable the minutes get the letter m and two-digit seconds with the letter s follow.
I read 1h07m27s
